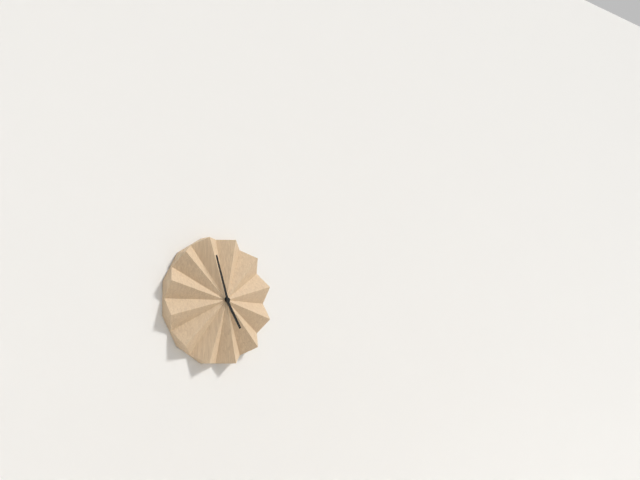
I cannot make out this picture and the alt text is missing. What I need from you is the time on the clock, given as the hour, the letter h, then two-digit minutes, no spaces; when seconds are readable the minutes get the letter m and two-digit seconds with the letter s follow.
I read 4h57
